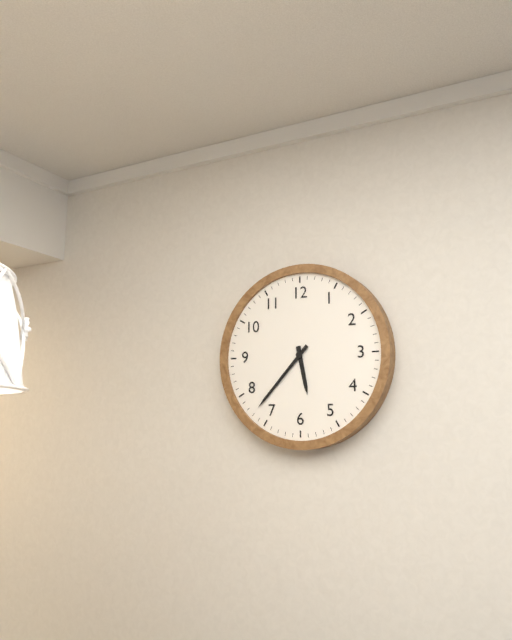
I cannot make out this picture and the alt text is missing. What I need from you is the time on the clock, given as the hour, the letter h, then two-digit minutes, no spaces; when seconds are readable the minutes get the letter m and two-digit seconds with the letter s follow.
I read 5h37
